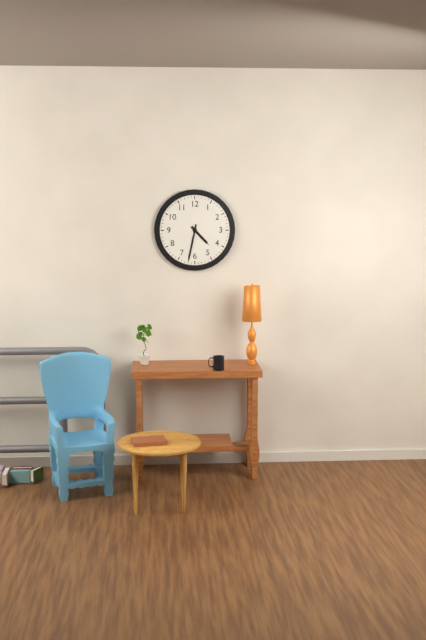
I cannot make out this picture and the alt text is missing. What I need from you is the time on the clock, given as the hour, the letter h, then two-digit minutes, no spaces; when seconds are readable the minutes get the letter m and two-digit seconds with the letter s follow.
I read 4h32
